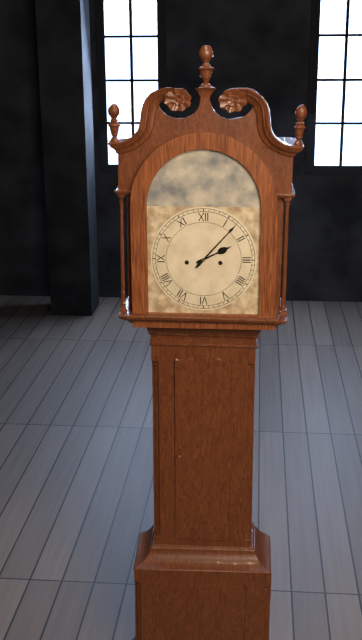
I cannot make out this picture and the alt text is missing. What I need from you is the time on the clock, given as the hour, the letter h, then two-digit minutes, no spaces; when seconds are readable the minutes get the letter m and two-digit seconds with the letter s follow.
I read 2h07
